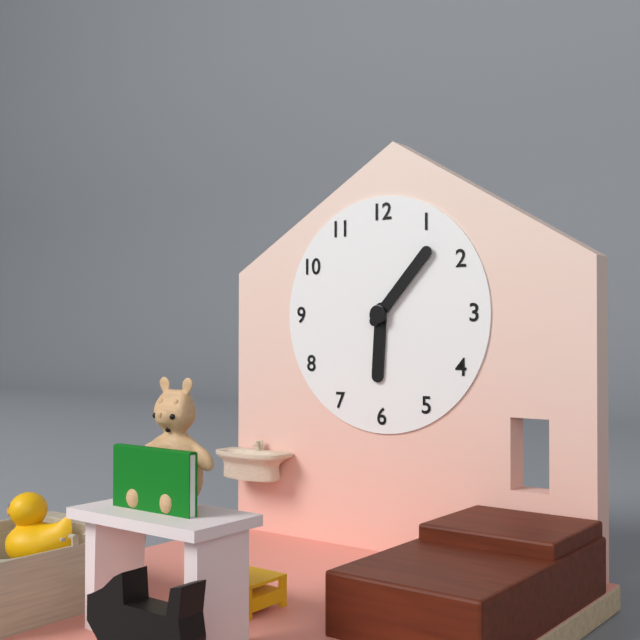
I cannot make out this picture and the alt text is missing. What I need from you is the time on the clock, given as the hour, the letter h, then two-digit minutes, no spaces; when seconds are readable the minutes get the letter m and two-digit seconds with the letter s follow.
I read 6h07
